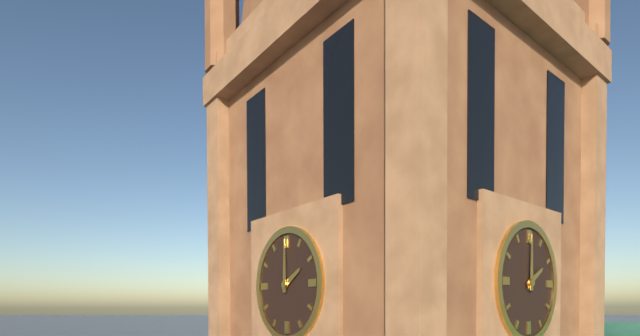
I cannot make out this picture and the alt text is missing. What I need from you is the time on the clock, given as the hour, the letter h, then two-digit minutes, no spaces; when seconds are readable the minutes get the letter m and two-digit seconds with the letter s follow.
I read 2h00
